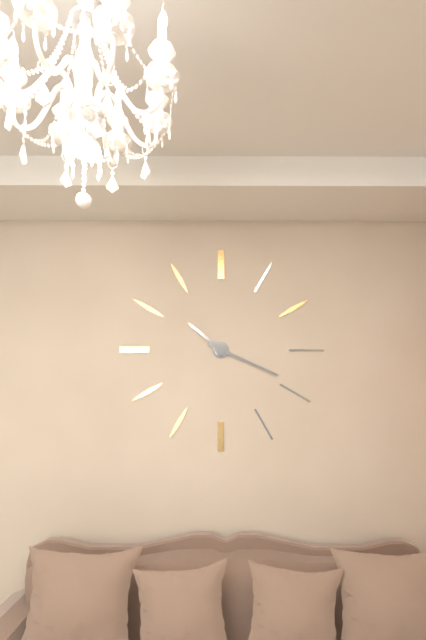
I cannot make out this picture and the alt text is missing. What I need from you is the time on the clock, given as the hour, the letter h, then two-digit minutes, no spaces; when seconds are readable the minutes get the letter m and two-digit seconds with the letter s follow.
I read 10h19
